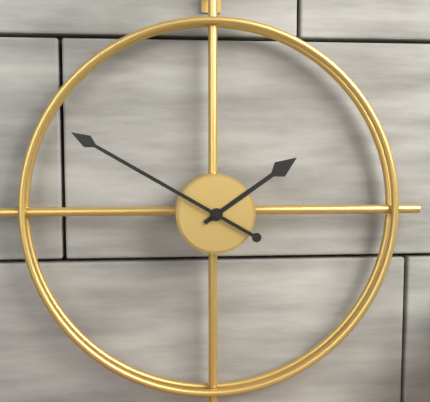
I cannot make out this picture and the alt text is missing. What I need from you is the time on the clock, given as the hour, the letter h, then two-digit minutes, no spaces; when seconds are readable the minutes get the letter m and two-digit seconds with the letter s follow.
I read 1h50
